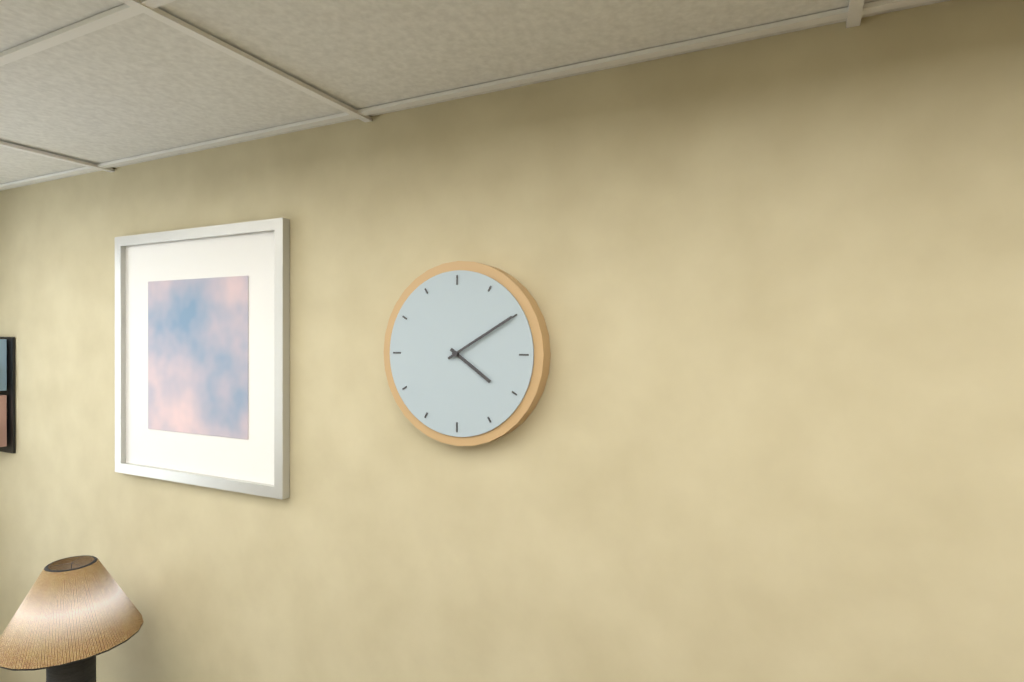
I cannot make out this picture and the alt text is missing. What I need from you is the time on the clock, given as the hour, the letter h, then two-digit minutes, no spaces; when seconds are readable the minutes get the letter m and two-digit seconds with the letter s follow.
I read 4h10
